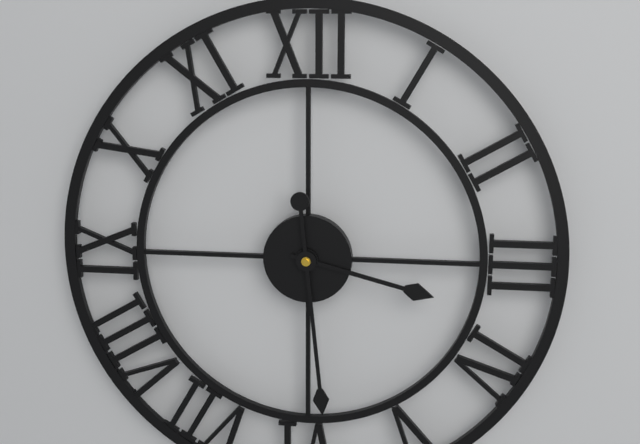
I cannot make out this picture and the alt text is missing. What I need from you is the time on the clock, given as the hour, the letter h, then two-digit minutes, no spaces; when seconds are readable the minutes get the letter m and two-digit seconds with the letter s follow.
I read 3h29
